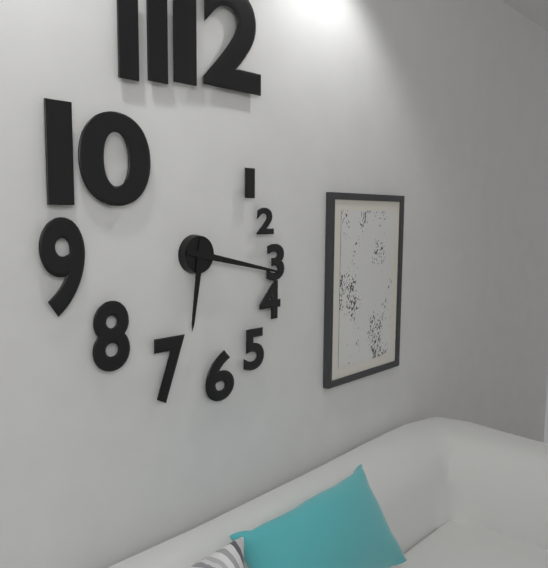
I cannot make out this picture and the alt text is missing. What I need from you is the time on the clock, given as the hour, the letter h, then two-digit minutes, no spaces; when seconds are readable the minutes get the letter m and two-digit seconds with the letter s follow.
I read 6h17
